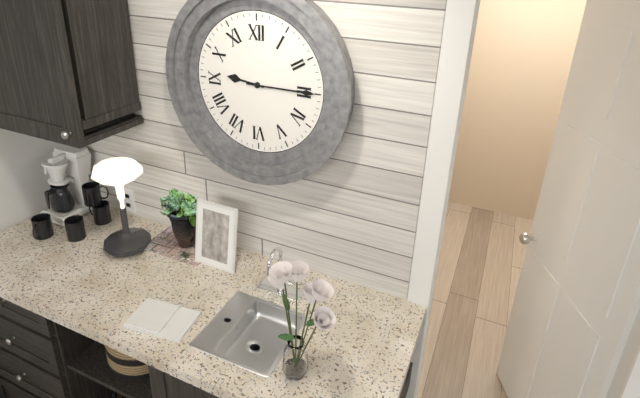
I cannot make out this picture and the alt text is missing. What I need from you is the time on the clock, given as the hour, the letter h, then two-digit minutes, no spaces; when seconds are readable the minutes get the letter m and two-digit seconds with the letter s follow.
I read 9h15
